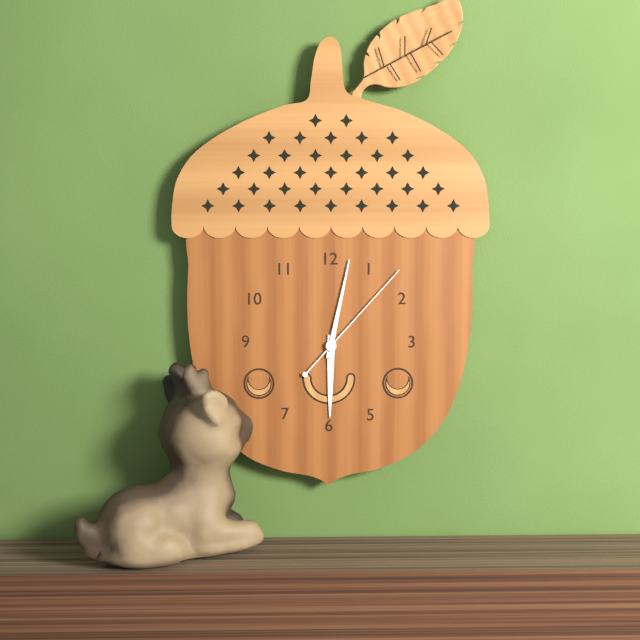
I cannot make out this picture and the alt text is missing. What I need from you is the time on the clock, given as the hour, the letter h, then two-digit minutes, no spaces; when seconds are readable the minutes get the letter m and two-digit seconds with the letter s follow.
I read 6h02m07s
